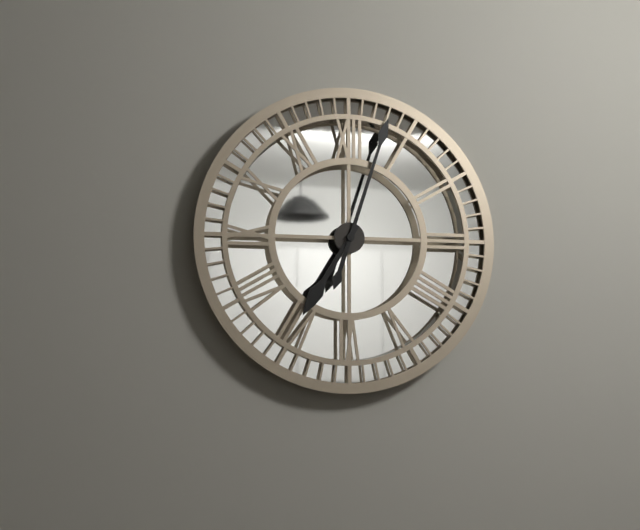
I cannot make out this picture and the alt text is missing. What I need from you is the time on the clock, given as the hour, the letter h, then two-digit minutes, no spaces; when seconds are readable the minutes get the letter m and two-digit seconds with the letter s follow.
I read 7h03
